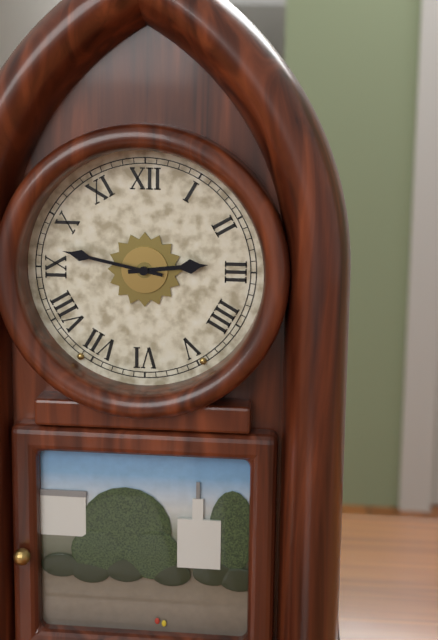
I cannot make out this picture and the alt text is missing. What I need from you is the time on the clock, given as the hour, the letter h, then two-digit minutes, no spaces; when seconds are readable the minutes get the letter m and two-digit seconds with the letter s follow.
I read 2h47
